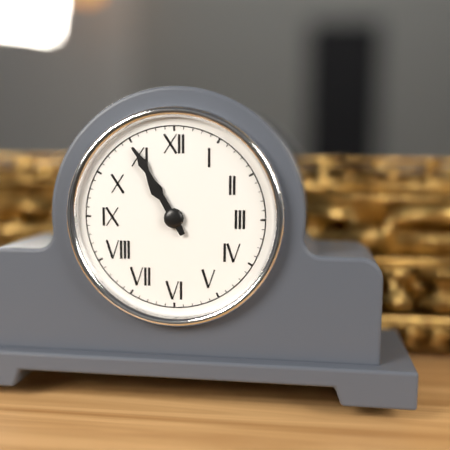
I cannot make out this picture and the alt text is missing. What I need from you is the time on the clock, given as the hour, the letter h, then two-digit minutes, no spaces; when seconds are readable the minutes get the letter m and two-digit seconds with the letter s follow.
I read 10h55
